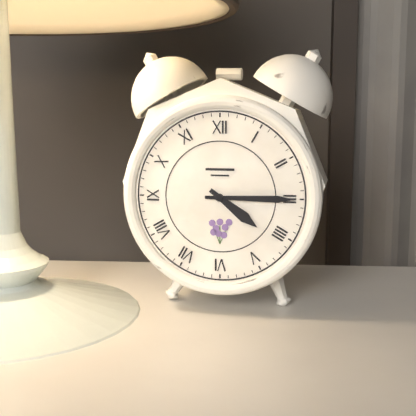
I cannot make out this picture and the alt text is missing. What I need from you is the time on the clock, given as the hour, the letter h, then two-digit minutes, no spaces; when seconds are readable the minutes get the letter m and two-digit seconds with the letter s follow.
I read 4h15
